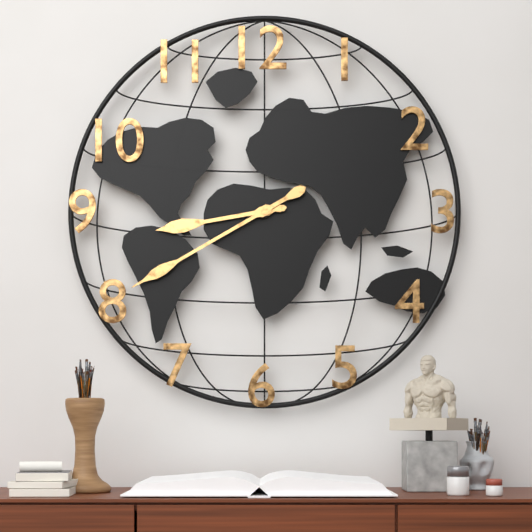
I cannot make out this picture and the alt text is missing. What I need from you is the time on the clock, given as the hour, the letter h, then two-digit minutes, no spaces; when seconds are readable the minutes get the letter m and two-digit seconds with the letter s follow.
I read 8h40
